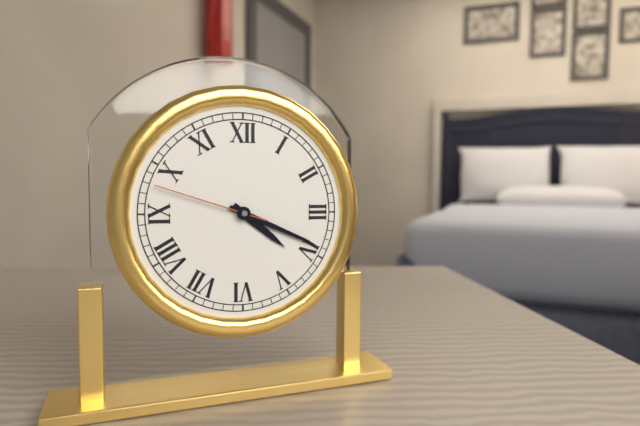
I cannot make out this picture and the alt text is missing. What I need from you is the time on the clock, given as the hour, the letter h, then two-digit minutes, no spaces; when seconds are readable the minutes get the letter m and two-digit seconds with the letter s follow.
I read 4h19m48s
